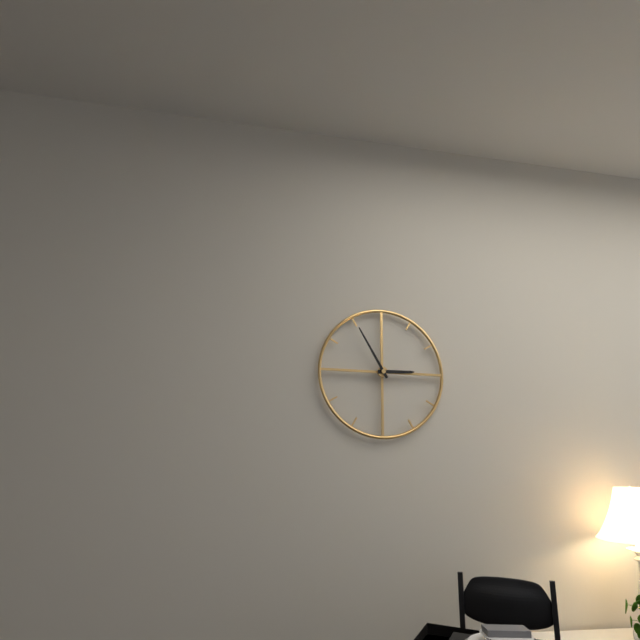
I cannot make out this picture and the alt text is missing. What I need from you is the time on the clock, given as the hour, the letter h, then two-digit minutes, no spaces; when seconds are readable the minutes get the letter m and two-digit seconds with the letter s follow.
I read 2h55
